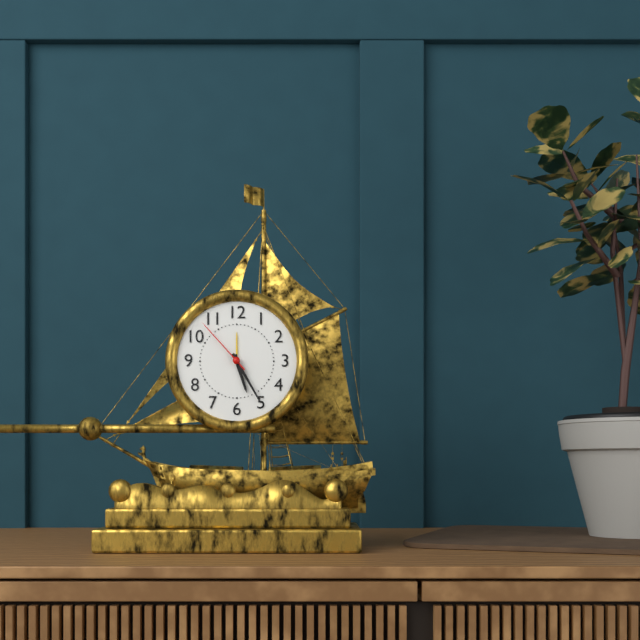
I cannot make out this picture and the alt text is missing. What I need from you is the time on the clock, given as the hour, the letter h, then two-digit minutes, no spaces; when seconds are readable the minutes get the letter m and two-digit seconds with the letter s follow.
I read 5h25m53s
